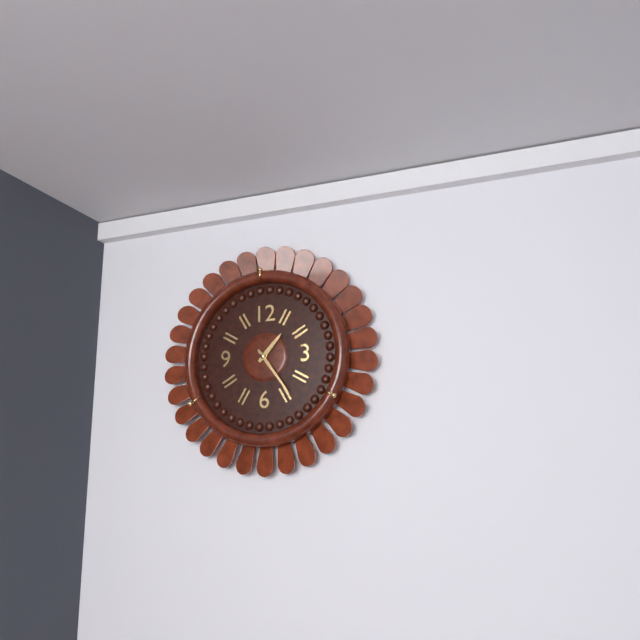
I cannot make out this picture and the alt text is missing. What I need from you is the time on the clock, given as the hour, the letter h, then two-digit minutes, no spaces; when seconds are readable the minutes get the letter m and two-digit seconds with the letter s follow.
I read 1h24
